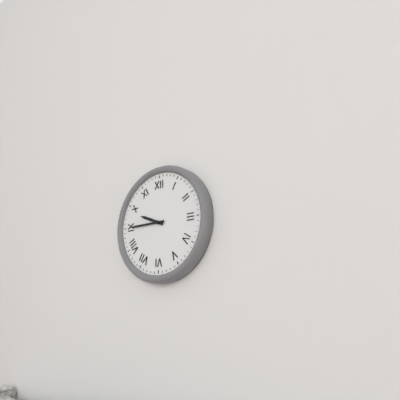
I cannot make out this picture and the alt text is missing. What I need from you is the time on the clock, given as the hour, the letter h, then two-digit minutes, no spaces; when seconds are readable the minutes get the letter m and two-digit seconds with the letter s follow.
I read 9h45
